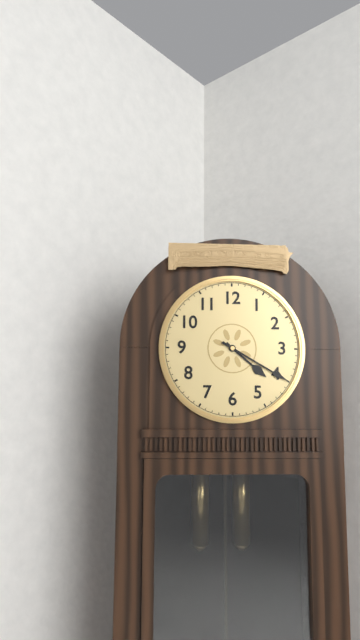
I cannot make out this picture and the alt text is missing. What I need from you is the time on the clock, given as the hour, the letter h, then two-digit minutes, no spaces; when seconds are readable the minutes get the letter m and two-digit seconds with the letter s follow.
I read 4h20
